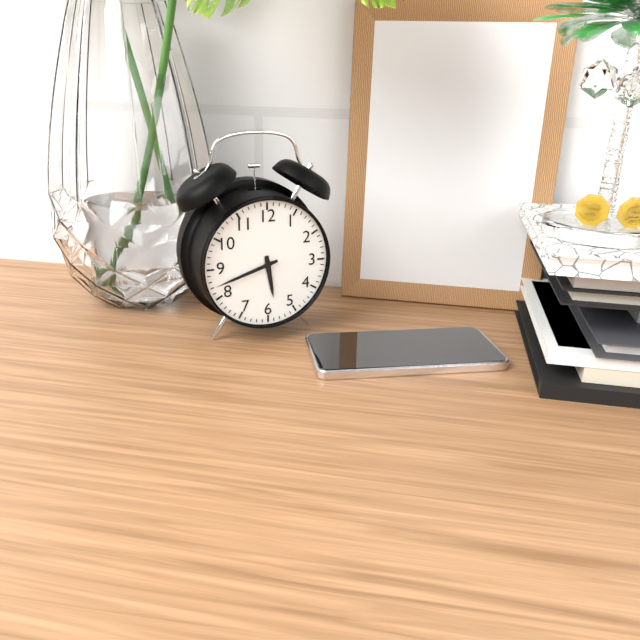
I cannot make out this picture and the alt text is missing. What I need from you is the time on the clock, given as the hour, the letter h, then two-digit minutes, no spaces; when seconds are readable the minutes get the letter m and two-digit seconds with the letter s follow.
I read 5h42
